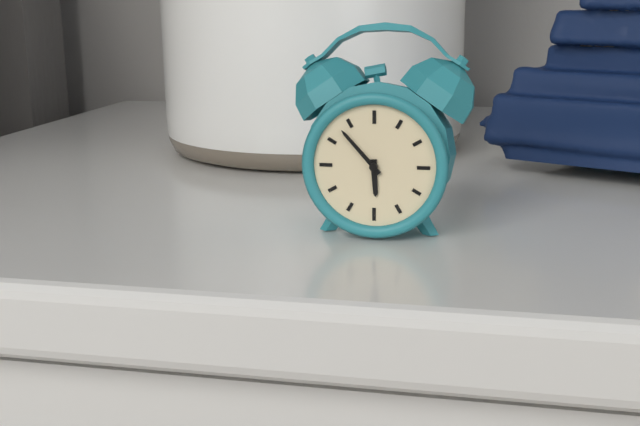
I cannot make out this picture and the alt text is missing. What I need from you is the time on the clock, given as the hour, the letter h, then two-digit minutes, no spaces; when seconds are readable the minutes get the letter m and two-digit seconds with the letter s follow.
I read 5h53
